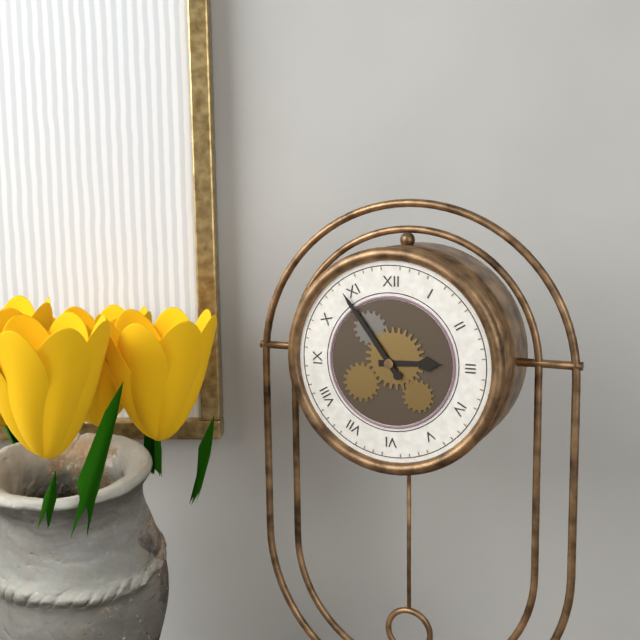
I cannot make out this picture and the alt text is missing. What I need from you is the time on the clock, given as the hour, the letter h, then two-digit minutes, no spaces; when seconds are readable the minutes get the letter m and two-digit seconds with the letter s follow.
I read 2h54
